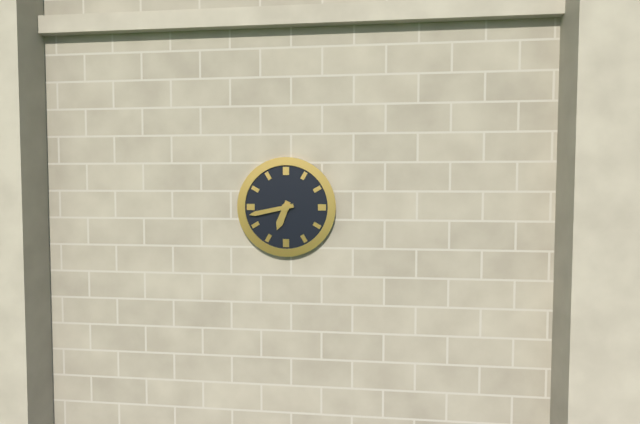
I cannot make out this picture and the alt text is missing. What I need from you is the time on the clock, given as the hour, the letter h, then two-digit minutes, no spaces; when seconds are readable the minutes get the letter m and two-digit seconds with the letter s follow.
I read 6h43
